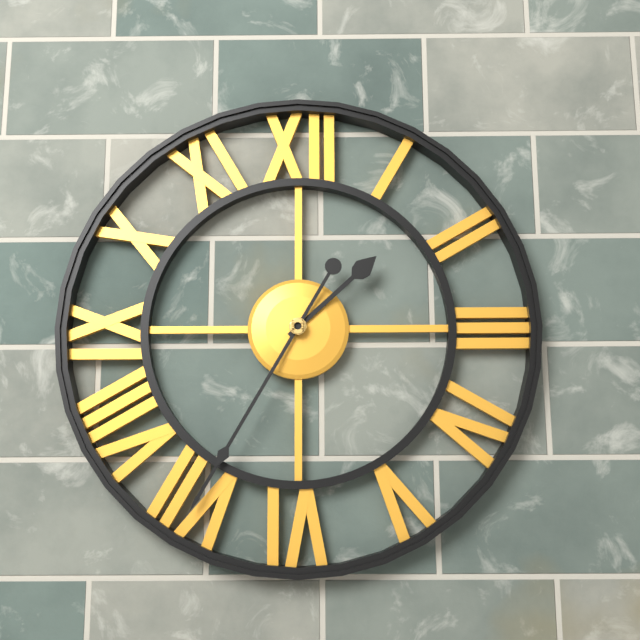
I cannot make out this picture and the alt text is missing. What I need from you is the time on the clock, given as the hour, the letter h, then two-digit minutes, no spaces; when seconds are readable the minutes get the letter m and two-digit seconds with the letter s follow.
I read 1h35
